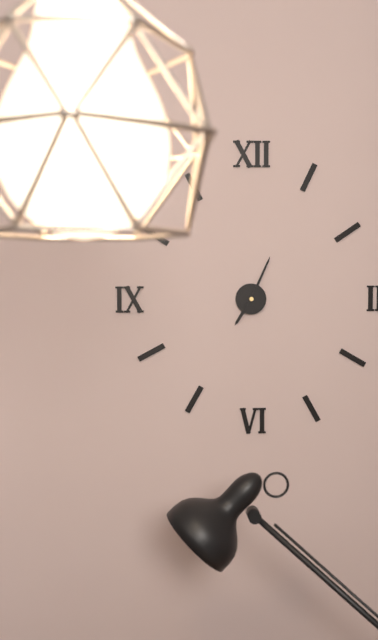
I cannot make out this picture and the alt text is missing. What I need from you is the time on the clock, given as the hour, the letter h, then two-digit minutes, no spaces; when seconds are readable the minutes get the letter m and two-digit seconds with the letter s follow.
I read 7h04
